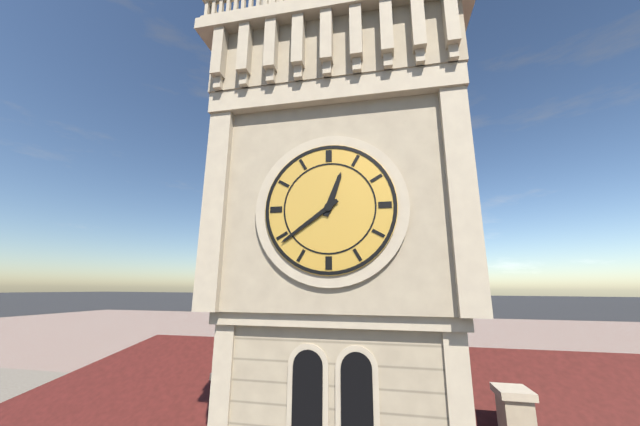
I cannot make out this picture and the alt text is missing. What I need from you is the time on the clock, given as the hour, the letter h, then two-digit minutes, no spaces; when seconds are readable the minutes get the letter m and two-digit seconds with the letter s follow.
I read 12h39
